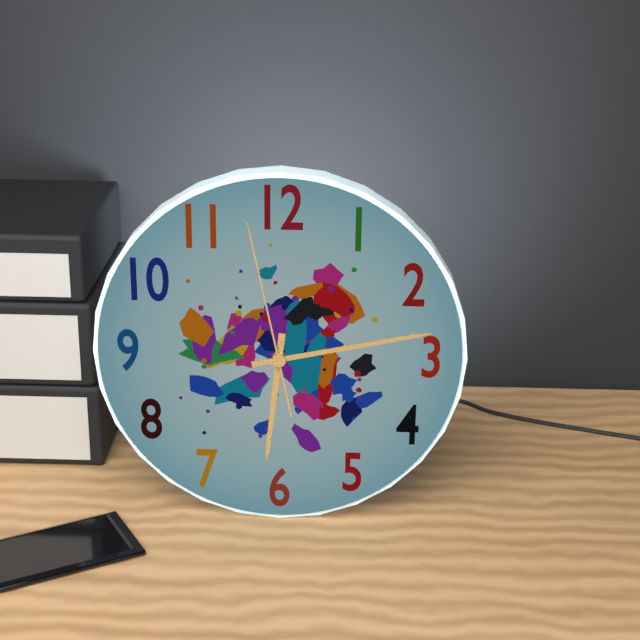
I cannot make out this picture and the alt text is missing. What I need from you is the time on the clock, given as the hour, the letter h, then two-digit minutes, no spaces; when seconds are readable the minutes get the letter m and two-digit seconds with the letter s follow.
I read 6h13m58s
